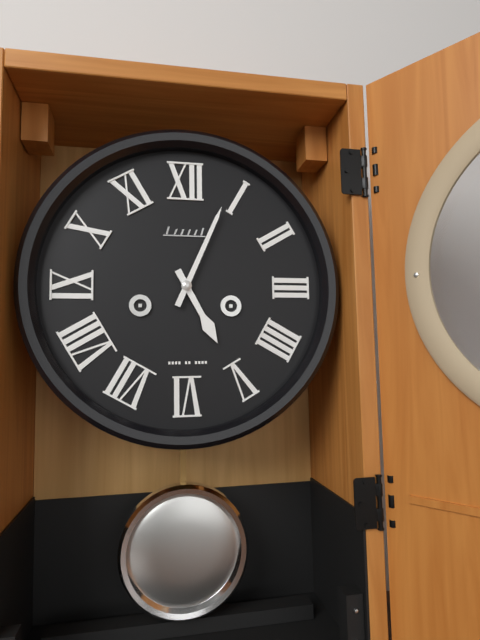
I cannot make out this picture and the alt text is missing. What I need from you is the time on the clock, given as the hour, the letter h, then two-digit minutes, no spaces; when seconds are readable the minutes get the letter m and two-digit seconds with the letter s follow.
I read 5h04
